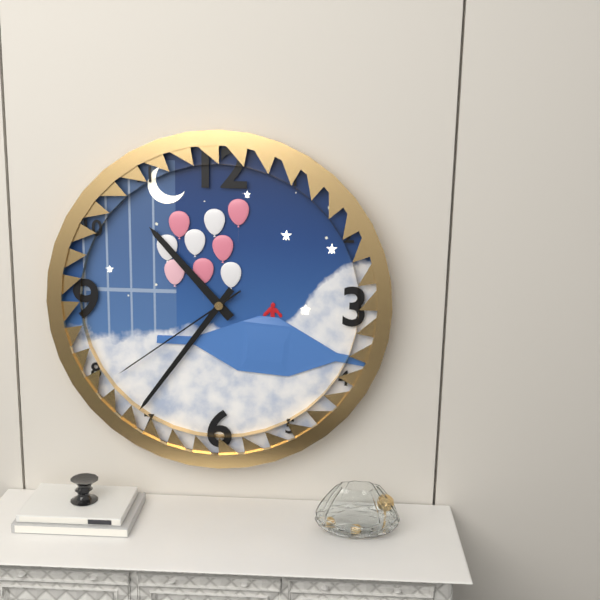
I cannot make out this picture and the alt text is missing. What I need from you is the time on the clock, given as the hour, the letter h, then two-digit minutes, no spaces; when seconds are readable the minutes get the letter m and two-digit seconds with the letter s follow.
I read 10h36m39s
